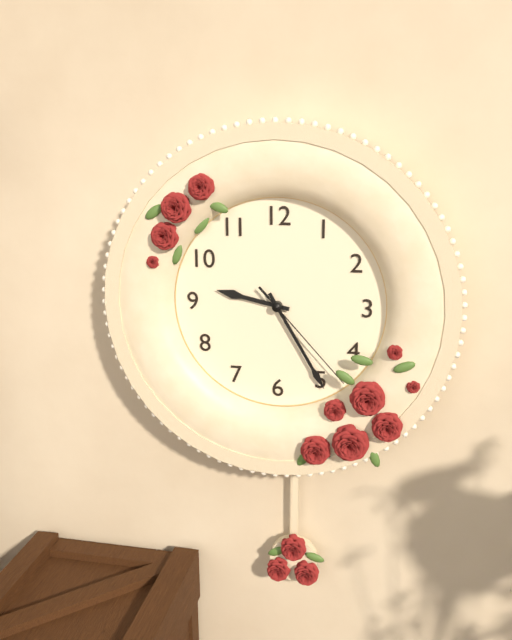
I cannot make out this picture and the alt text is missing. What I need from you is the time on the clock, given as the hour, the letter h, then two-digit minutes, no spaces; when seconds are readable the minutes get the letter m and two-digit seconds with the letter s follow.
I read 9h25m23s
